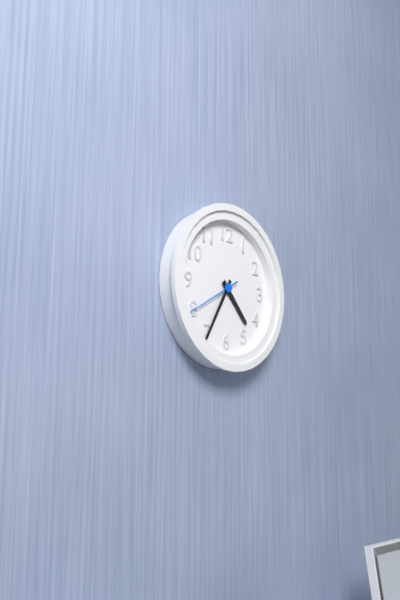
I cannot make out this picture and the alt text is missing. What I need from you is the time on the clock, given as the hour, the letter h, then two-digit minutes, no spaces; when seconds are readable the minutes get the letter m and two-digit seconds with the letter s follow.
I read 4h35m40s
